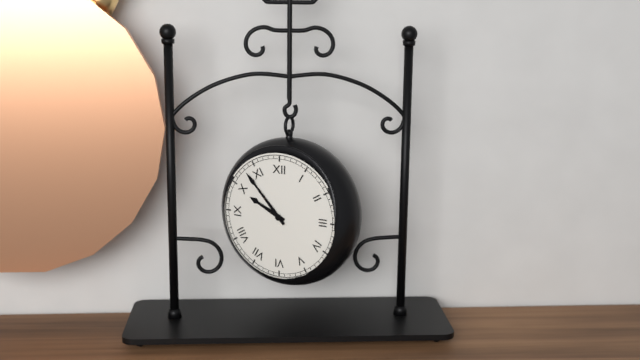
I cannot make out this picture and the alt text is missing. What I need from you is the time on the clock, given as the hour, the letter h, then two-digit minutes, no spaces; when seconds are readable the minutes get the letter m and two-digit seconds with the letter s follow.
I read 9h53
